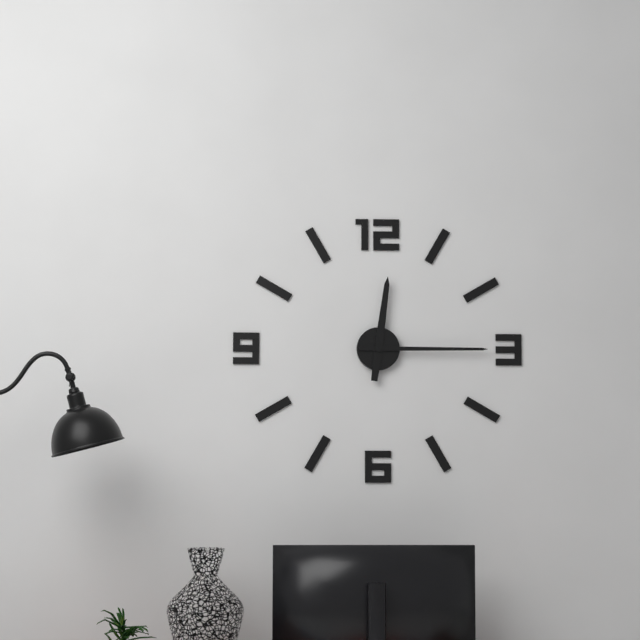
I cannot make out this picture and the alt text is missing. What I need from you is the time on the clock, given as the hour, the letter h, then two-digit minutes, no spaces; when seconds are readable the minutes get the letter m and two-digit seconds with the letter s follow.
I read 12h15
